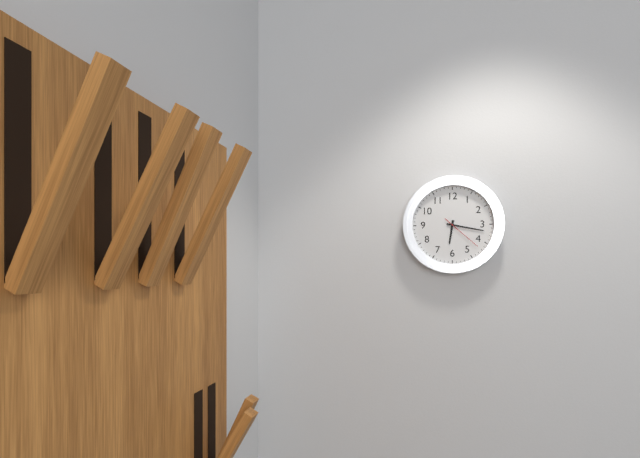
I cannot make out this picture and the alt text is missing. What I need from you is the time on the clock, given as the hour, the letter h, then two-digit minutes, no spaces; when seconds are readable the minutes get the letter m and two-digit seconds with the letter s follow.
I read 6h17
